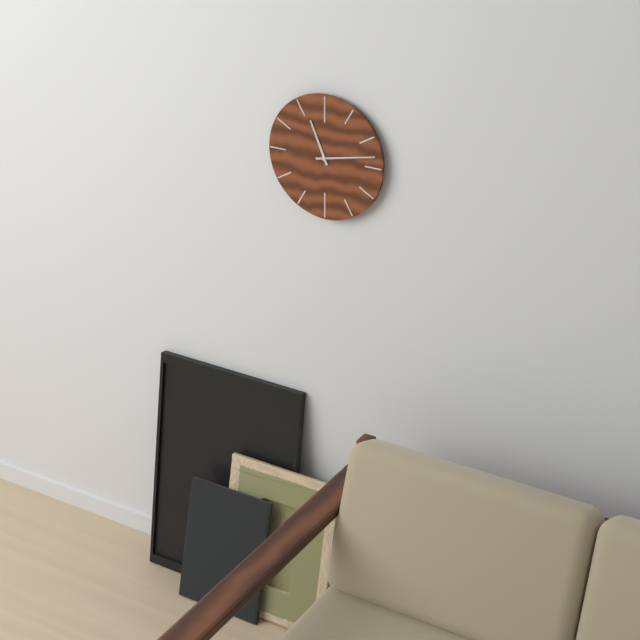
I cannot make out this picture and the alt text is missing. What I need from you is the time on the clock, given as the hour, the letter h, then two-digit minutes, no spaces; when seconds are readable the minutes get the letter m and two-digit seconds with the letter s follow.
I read 11h13
